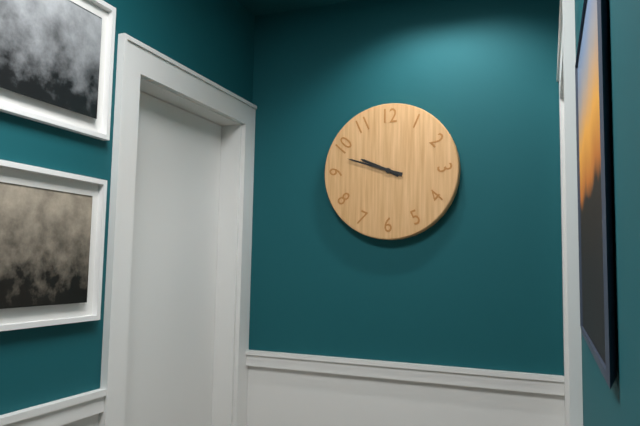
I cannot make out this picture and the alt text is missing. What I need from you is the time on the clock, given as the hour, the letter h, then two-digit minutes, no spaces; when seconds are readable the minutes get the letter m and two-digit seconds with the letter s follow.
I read 9h48
